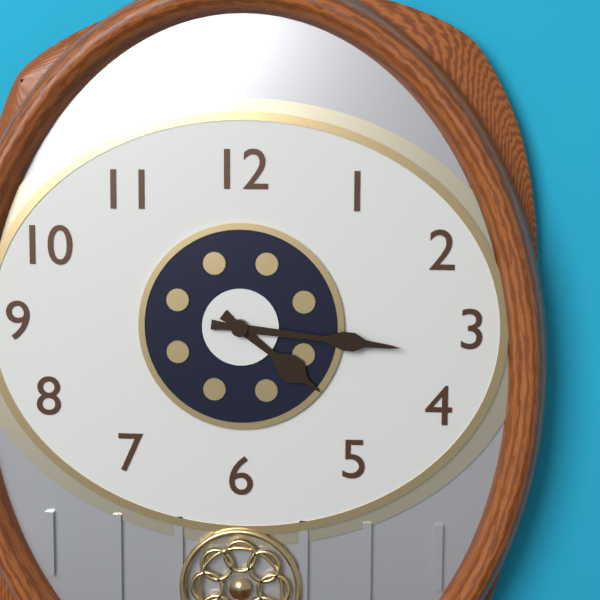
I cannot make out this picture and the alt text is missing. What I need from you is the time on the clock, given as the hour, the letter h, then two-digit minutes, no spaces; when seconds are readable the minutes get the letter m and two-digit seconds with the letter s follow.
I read 4h16
